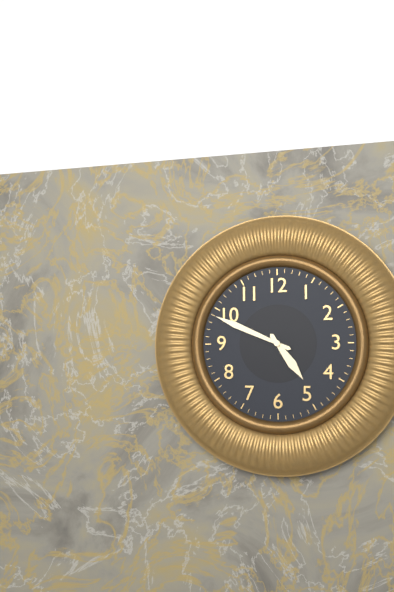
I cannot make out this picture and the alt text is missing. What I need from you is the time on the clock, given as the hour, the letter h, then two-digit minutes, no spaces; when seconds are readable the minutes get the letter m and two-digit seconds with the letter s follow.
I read 4h49
